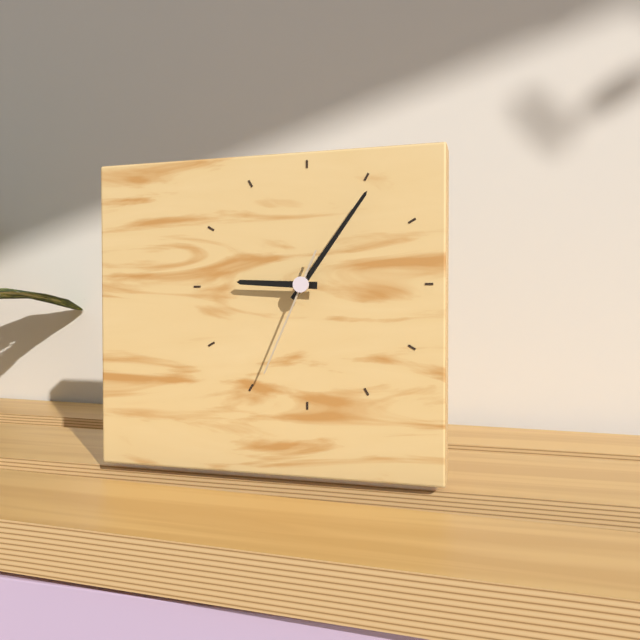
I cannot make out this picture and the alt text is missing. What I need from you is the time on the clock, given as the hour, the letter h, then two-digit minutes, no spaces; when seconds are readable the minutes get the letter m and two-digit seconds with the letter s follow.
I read 9h06m34s
